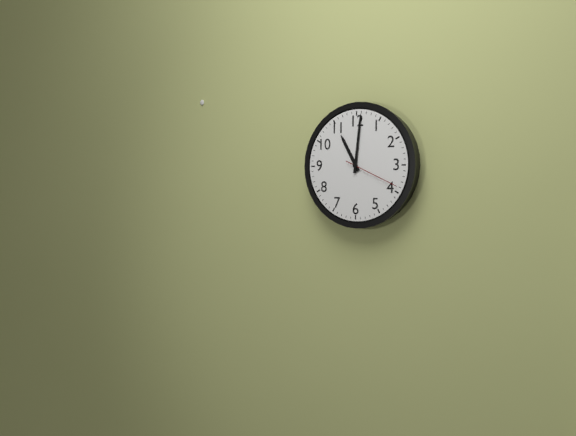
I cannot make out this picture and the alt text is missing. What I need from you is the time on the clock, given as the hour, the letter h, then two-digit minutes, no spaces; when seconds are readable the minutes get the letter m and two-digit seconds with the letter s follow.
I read 11h01m19s
